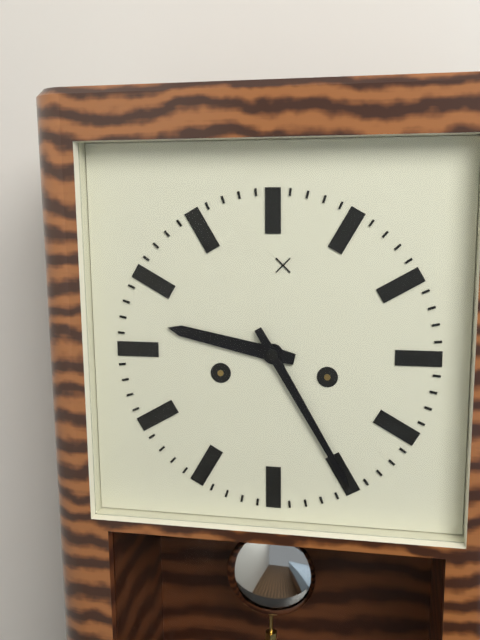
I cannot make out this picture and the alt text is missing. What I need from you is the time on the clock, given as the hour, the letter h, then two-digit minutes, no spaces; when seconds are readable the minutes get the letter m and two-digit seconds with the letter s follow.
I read 9h25
